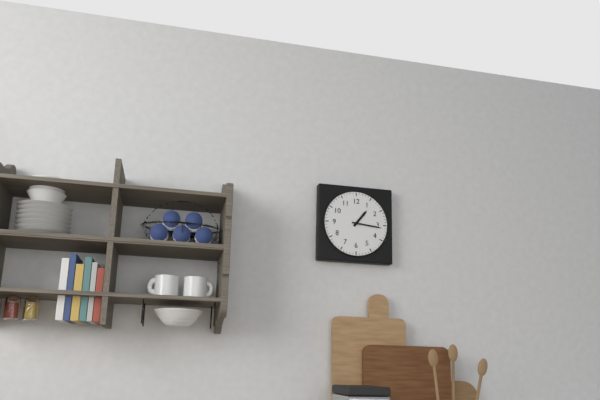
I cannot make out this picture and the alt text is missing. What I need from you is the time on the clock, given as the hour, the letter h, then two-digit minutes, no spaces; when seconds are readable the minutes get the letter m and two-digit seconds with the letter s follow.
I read 1h16
